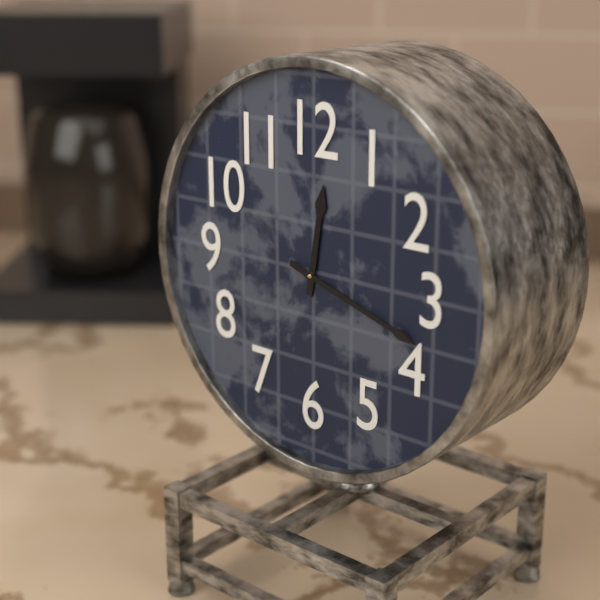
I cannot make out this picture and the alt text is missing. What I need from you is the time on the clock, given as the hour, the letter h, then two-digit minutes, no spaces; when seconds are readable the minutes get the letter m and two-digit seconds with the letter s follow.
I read 12h18
